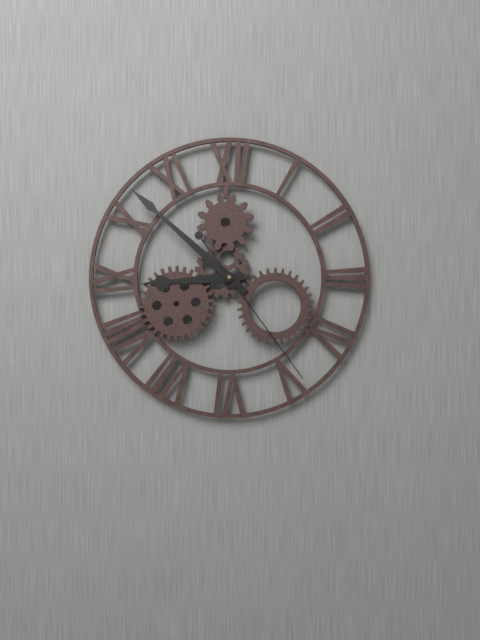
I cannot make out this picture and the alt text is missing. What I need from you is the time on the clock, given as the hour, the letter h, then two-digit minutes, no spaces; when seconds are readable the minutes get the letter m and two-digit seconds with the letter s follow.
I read 8h52m24s
